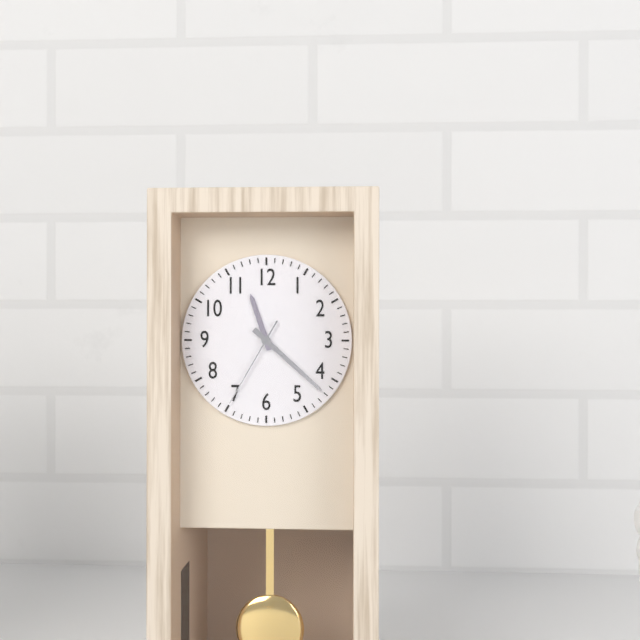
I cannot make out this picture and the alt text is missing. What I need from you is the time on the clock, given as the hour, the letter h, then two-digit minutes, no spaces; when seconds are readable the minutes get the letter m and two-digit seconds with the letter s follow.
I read 11h22m35s
